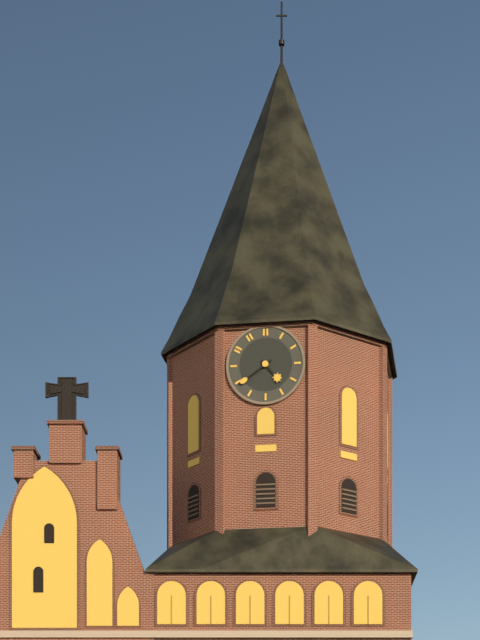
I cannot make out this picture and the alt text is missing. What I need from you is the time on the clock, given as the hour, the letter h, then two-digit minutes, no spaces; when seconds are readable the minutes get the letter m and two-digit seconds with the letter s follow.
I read 4h39
